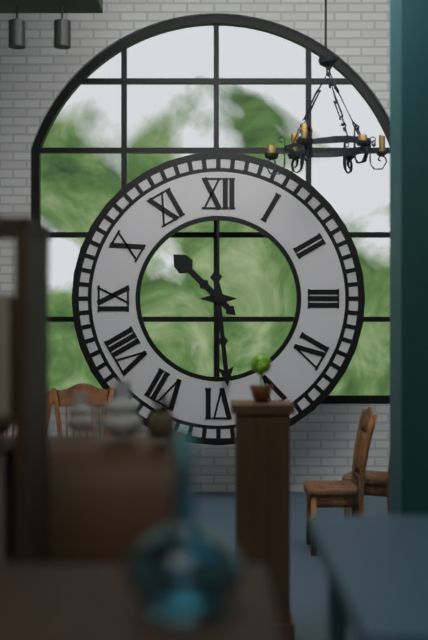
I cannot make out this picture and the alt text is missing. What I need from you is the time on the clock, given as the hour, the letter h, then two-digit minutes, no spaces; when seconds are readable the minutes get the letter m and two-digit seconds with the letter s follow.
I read 10h29
